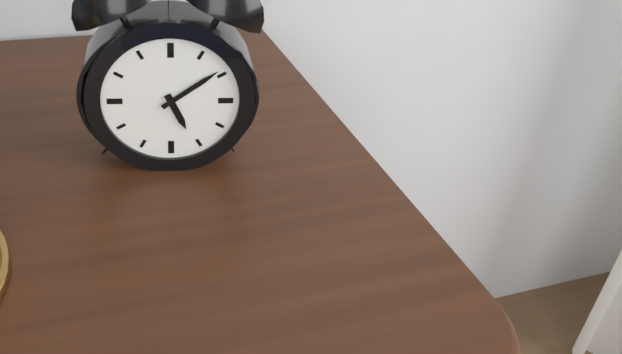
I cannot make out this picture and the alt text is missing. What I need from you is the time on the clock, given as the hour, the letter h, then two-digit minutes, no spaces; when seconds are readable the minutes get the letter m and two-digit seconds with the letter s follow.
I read 5h09
